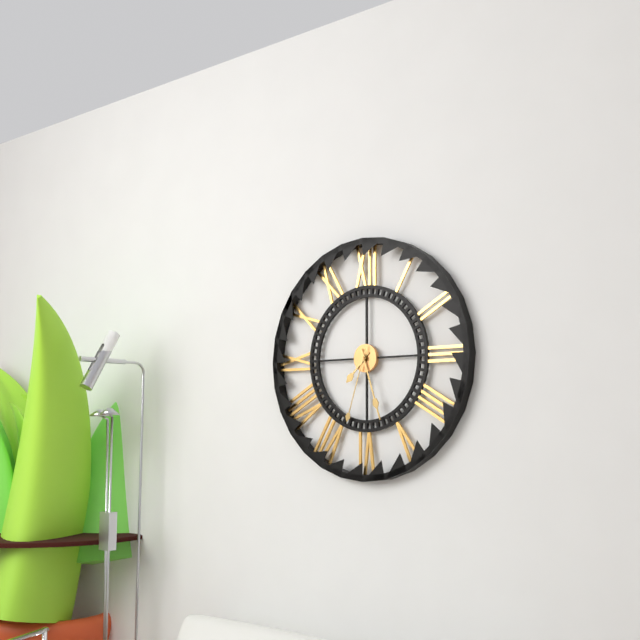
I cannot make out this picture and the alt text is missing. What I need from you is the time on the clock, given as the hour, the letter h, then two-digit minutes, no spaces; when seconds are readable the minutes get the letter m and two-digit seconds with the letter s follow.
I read 7h27m33s
